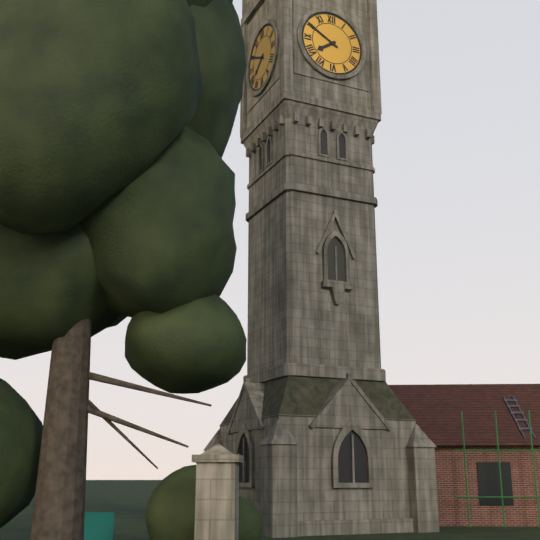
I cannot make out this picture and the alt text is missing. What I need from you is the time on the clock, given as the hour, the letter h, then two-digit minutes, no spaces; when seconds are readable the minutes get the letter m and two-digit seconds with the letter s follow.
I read 7h50
